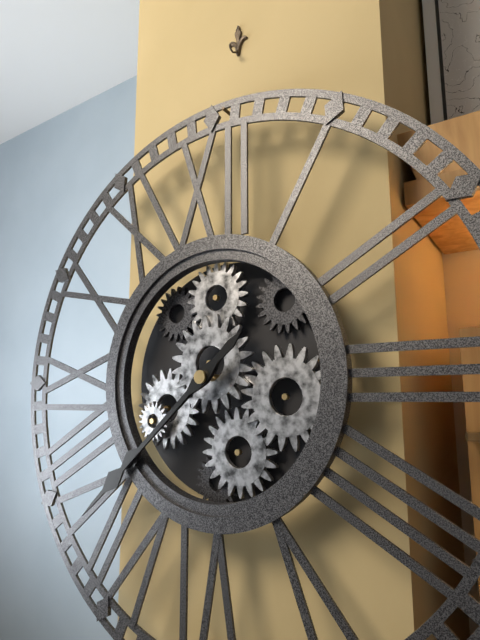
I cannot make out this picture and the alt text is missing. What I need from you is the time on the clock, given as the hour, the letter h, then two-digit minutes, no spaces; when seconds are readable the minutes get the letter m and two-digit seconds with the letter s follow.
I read 7h38
